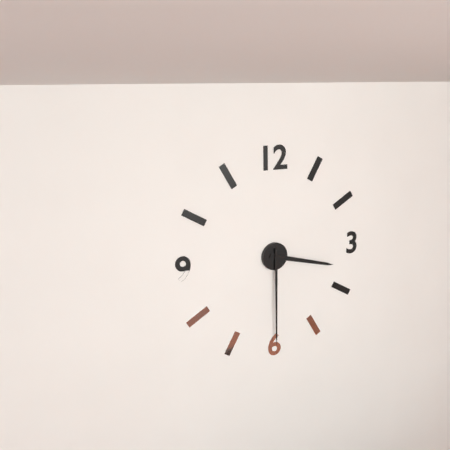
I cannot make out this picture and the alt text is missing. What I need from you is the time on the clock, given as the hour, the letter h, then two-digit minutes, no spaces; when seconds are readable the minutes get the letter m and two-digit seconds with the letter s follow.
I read 3h30
